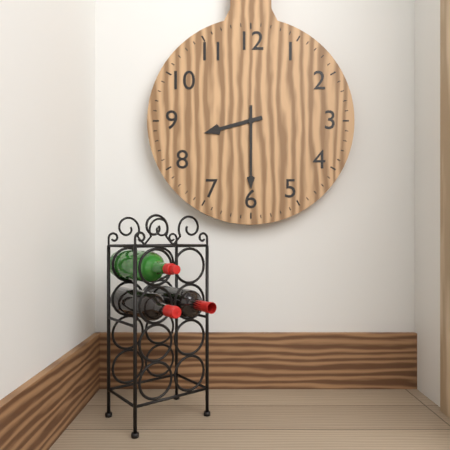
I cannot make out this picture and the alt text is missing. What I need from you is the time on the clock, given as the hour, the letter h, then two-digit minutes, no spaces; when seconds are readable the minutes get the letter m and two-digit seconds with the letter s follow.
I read 8h30
